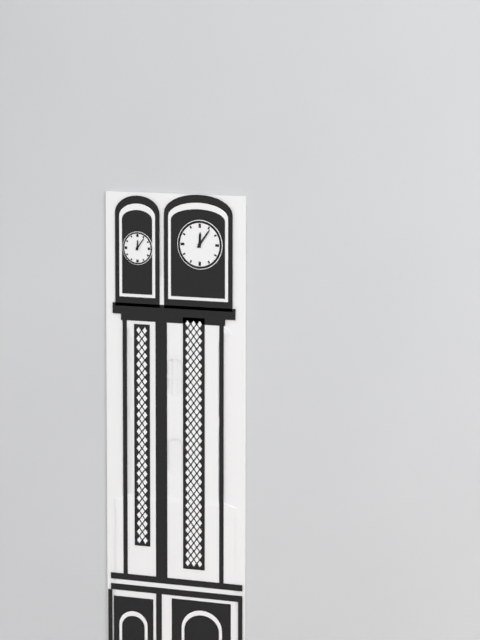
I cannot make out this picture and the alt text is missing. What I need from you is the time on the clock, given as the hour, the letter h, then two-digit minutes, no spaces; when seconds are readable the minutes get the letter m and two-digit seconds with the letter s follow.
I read 12h06
